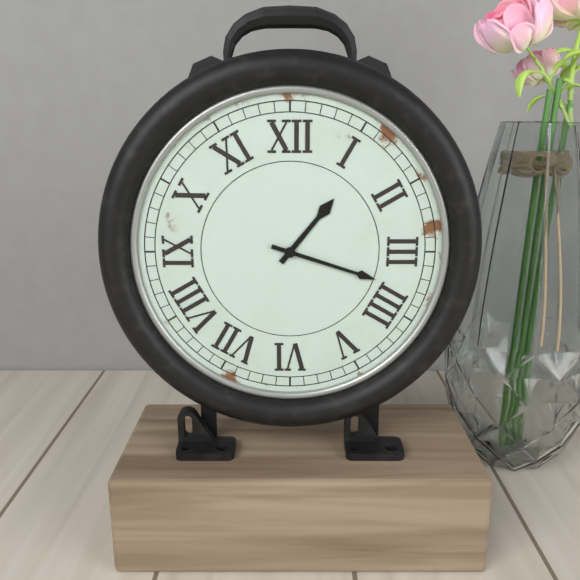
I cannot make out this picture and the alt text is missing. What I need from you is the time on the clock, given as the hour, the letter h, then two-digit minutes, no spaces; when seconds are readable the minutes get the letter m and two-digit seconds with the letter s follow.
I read 1h18
